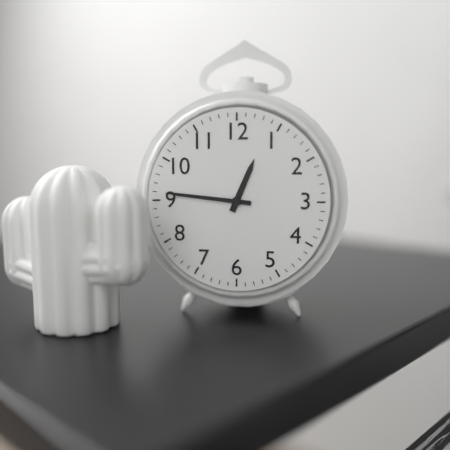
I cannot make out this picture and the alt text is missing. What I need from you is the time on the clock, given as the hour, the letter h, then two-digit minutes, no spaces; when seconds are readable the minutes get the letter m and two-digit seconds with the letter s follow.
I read 12h46
